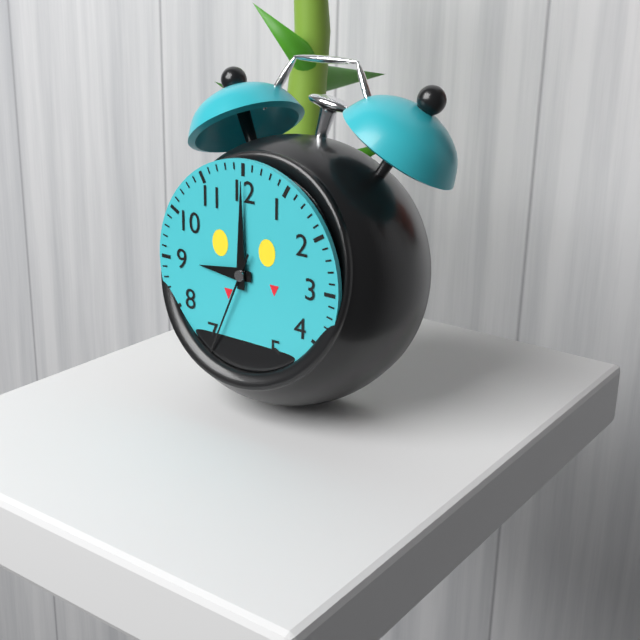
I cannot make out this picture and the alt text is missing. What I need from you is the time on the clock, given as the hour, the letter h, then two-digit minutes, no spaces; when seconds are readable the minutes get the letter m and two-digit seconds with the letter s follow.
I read 9h00m34s
